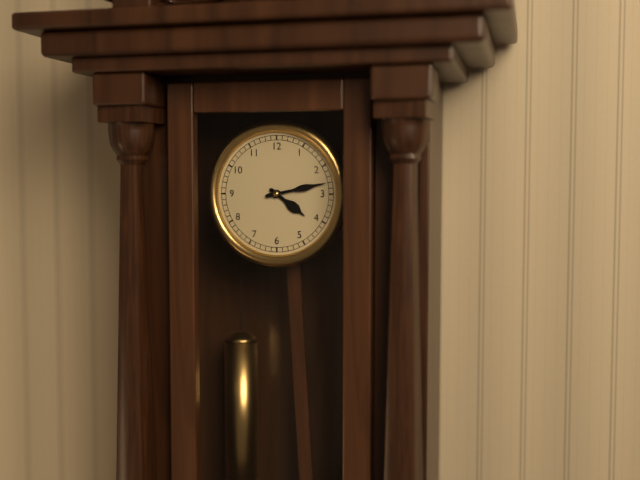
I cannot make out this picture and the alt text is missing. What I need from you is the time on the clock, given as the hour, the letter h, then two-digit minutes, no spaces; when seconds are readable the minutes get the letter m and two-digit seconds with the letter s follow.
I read 4h13
